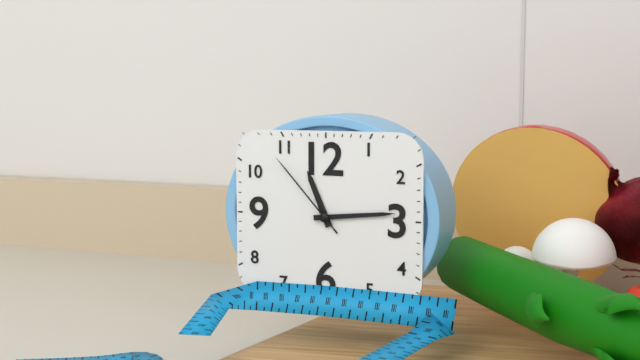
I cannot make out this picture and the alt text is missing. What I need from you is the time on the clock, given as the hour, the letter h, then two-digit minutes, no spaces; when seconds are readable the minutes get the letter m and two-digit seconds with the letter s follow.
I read 11h14m53s
